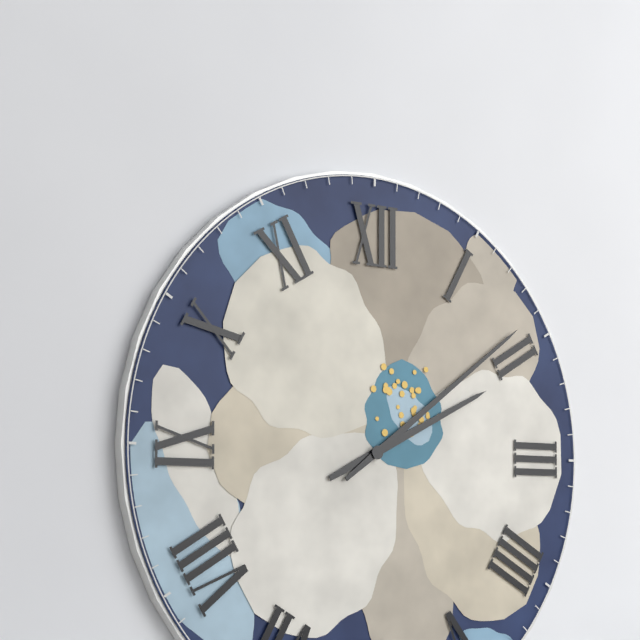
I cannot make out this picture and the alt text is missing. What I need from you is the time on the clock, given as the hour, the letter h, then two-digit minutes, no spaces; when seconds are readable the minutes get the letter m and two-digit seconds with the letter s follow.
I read 2h09
